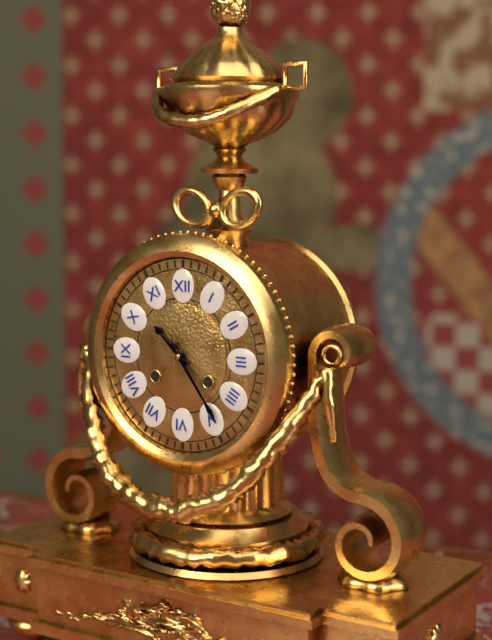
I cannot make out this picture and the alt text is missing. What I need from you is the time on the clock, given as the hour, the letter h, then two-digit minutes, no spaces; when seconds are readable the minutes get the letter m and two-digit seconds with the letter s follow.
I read 10h24
